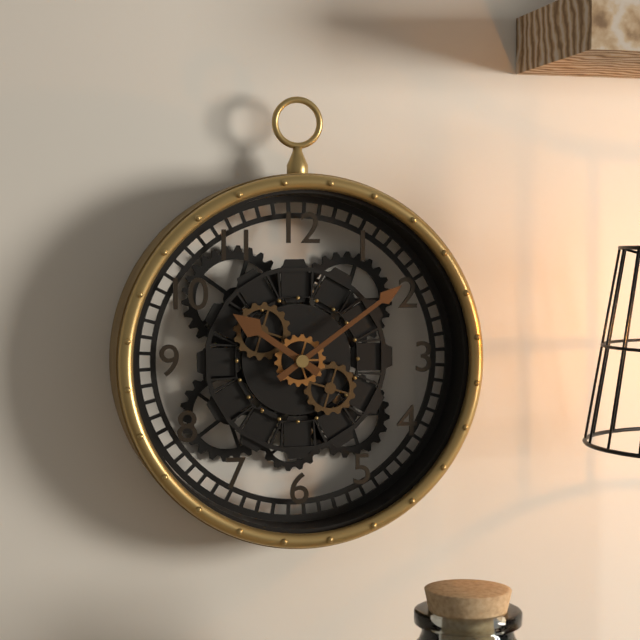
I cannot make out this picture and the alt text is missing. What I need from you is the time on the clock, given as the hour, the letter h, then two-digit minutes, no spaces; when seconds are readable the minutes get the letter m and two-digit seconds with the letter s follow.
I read 10h09
